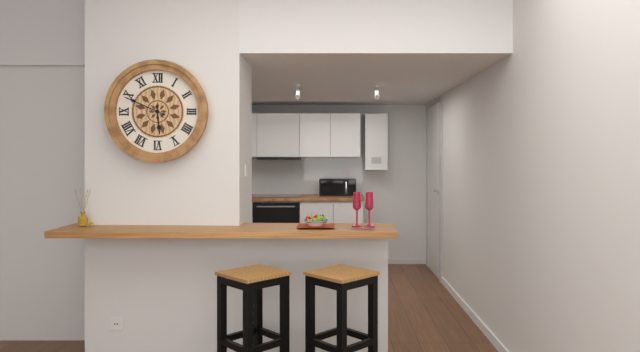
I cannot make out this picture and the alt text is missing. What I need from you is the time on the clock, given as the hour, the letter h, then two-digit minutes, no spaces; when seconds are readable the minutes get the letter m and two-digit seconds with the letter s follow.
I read 5h49
